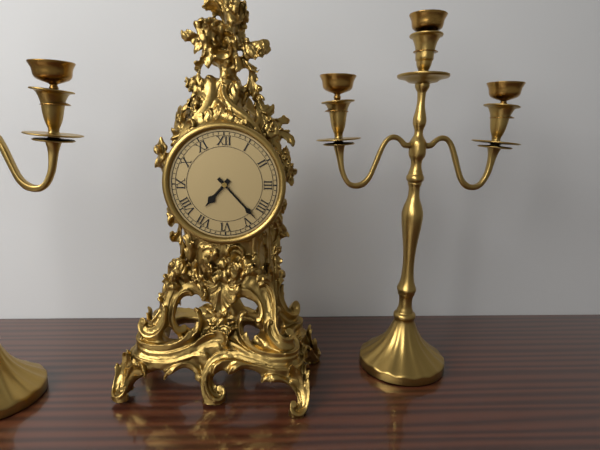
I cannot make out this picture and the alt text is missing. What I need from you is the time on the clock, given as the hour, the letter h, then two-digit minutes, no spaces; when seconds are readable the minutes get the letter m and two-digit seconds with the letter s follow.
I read 7h23
